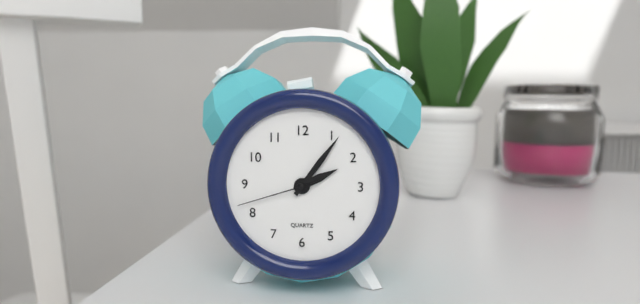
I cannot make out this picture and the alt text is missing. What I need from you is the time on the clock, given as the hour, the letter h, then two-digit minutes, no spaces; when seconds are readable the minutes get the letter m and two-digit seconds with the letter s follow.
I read 2h06m42s
